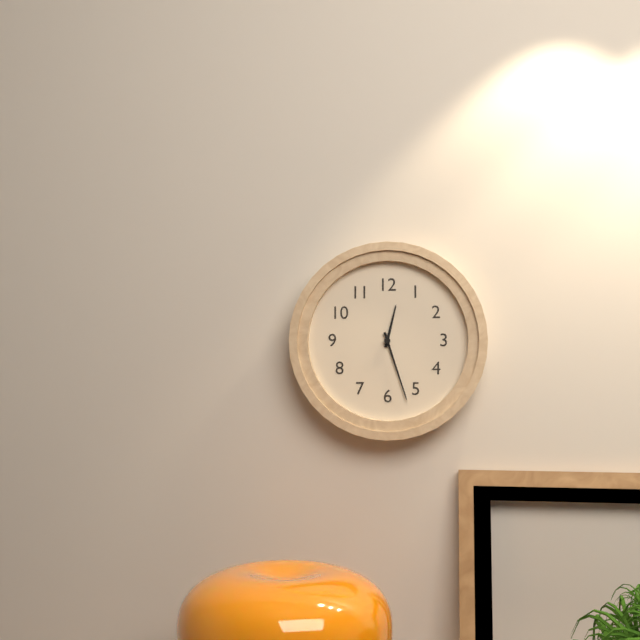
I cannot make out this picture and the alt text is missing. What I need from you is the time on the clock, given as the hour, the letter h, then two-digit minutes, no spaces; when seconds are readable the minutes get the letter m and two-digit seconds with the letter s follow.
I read 12h27
